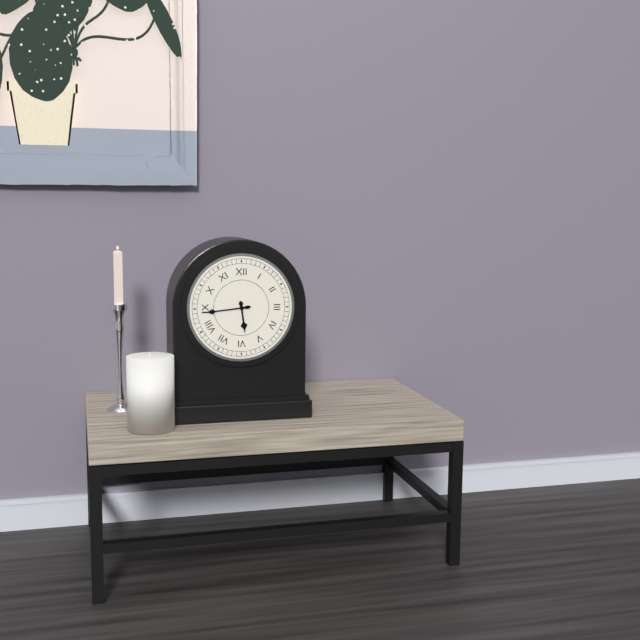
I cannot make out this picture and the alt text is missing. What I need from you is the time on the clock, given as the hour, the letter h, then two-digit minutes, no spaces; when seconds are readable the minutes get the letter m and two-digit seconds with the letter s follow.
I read 5h44
